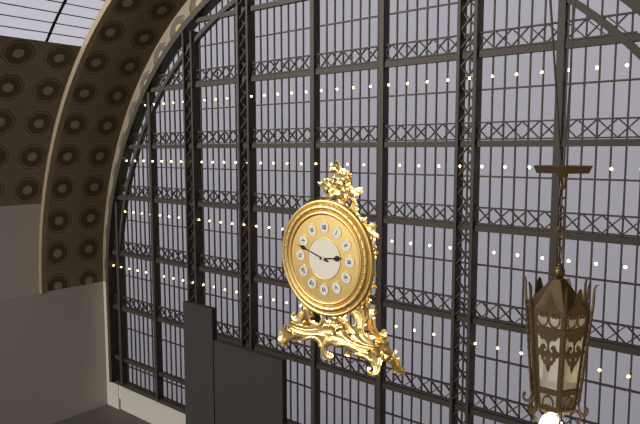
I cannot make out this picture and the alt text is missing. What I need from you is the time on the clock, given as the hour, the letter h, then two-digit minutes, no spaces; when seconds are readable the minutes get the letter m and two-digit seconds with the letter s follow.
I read 2h48
